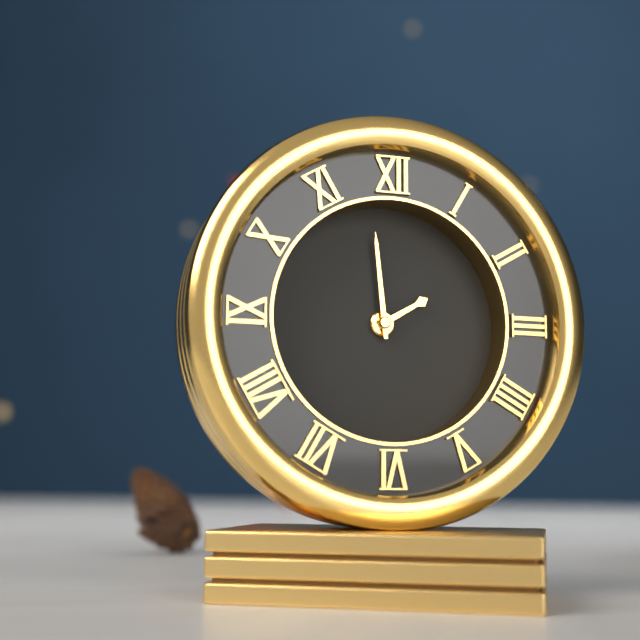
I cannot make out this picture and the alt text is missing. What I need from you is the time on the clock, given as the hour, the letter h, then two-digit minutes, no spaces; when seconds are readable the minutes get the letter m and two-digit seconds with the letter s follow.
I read 1h59
